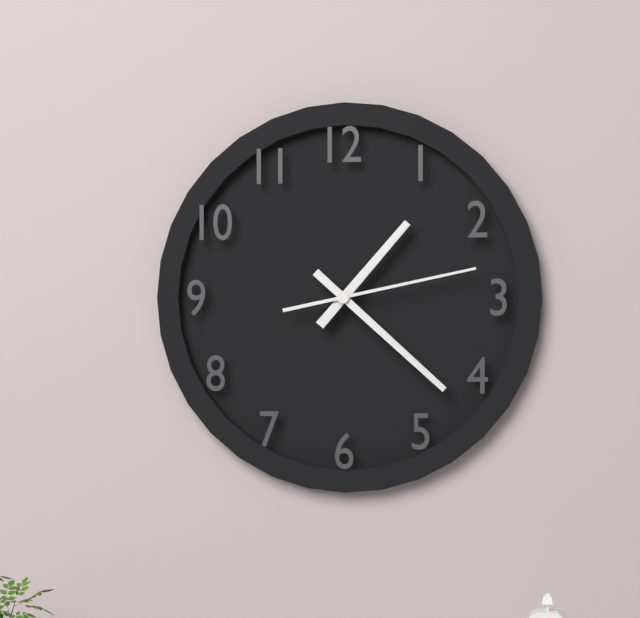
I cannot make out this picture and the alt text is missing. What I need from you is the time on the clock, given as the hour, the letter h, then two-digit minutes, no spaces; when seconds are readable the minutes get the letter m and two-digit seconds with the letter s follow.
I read 1h22m13s
